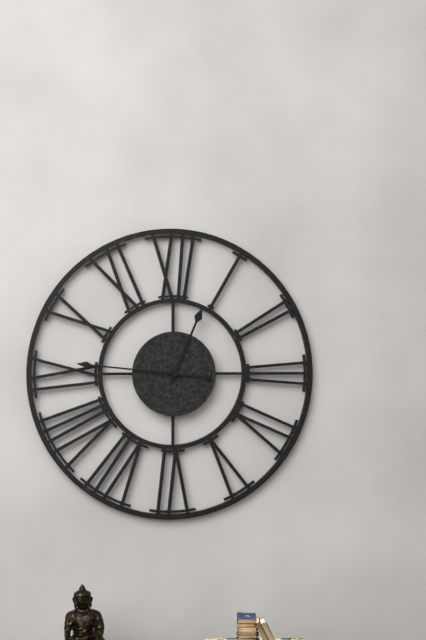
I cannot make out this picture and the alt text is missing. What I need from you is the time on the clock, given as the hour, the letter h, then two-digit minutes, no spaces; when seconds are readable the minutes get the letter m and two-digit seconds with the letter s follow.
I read 12h46
